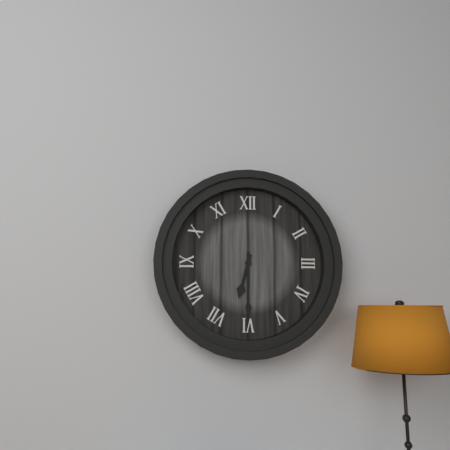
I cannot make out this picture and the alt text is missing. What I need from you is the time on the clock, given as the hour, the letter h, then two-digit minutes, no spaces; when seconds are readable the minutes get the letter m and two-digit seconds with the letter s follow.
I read 6h30
